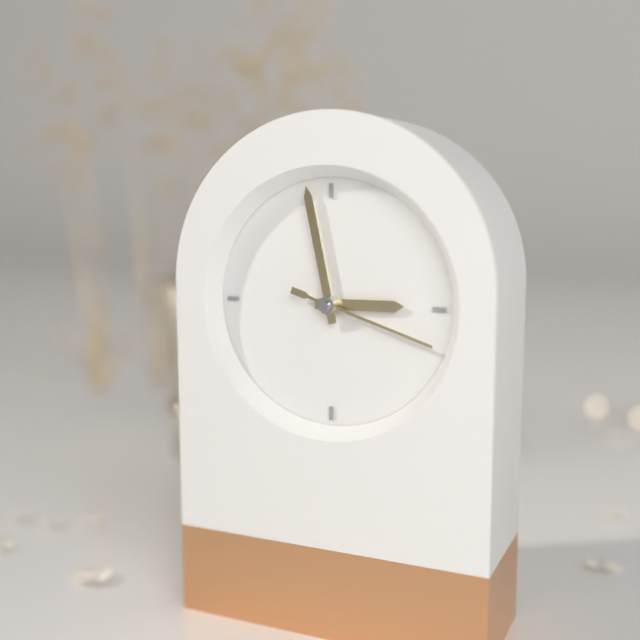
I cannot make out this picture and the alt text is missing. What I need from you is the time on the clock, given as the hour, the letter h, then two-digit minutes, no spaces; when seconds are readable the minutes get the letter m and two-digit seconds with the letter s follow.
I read 2h58m18s
